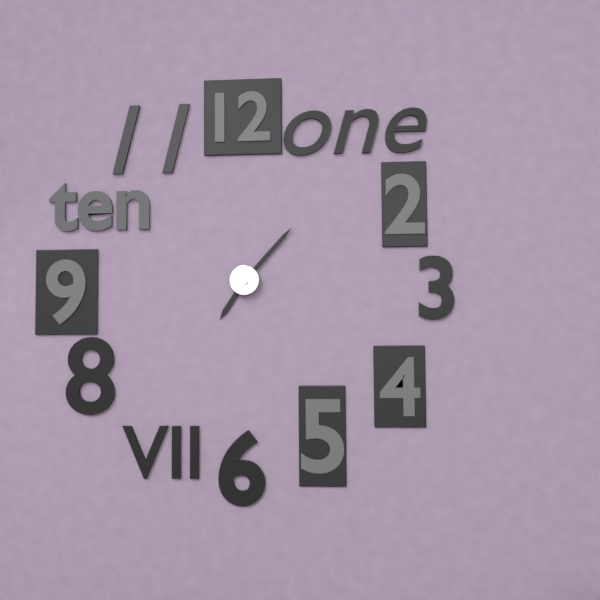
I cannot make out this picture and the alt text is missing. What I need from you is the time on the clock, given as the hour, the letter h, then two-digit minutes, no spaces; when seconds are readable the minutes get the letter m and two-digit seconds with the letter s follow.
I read 7h07
